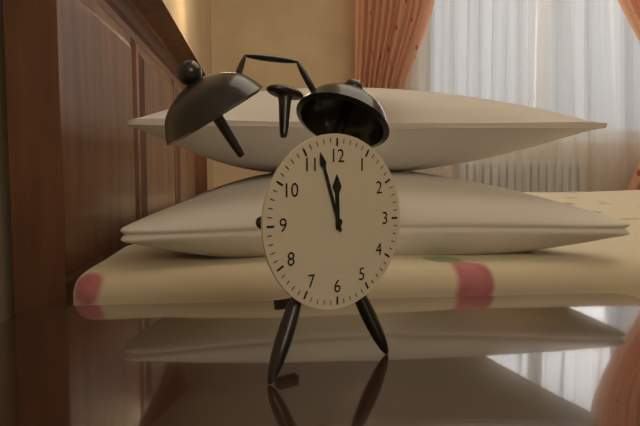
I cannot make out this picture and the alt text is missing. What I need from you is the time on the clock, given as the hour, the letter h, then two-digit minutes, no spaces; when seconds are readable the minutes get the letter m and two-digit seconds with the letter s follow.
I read 11h57
